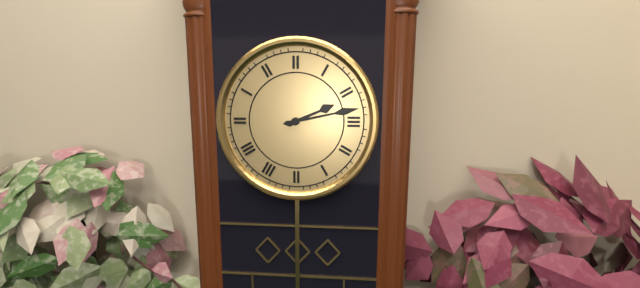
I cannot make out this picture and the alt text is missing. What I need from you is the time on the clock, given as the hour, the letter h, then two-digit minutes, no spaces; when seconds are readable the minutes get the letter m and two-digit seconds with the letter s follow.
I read 2h13
